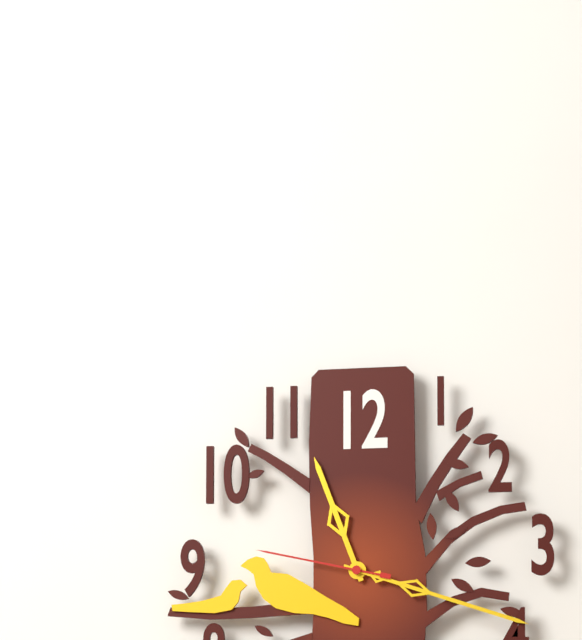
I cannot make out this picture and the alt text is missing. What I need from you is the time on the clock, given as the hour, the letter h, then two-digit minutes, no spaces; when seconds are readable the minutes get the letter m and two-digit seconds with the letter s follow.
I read 11h18m47s
